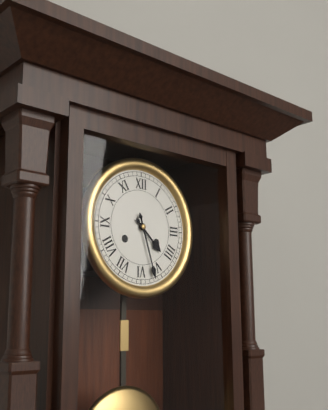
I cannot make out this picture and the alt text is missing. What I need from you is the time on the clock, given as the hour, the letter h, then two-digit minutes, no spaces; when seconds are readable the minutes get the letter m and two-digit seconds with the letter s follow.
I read 4h27
